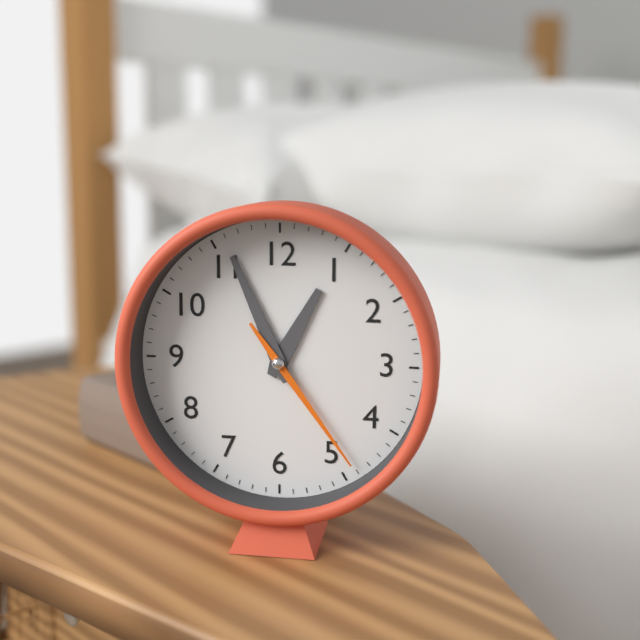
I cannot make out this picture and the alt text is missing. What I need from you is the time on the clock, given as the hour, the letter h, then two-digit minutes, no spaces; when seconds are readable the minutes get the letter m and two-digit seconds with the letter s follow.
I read 12h56m24s
